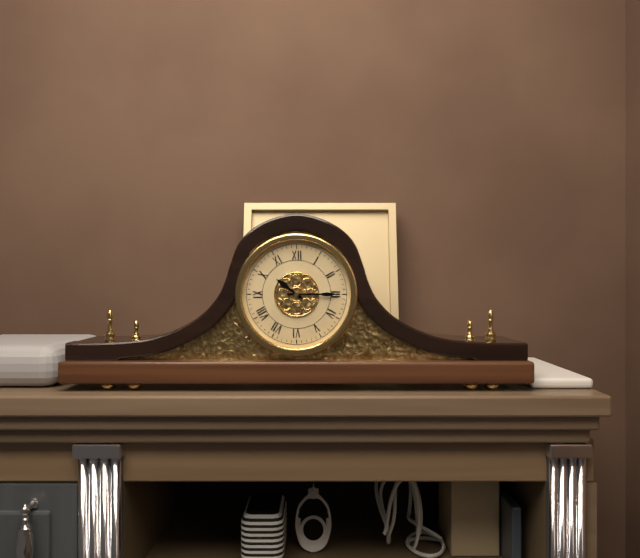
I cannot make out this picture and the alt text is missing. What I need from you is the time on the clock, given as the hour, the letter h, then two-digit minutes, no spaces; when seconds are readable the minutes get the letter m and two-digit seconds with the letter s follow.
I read 10h15
